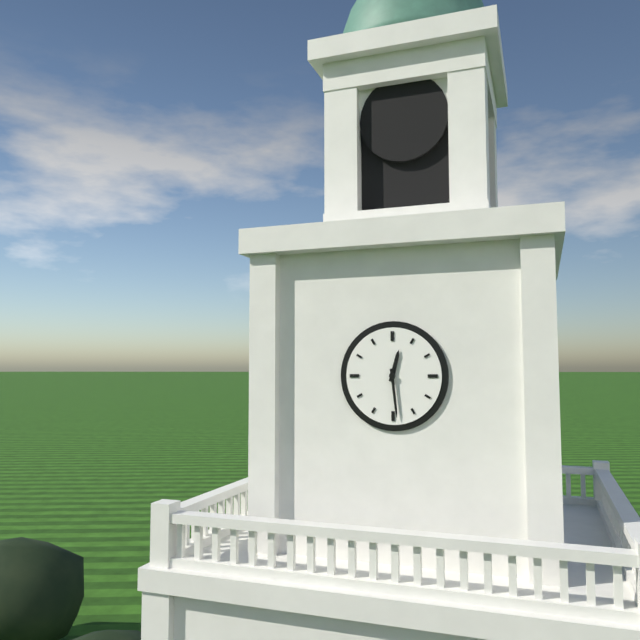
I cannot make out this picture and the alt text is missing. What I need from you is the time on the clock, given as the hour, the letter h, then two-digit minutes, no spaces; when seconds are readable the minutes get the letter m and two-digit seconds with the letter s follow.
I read 12h29
